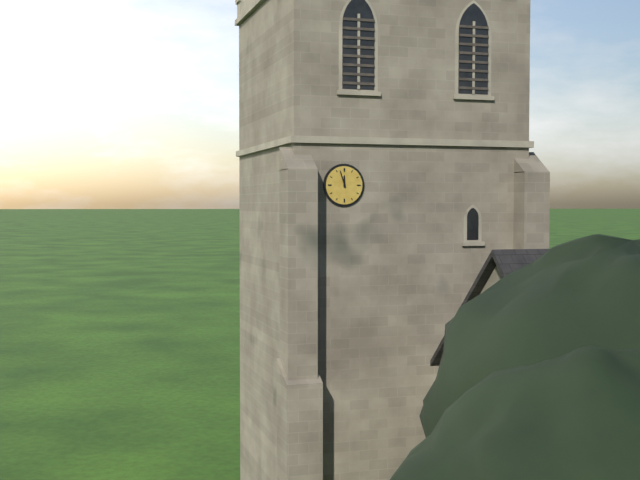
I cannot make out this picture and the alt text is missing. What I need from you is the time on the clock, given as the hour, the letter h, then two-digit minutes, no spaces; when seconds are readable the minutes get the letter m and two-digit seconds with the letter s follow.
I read 11h57
